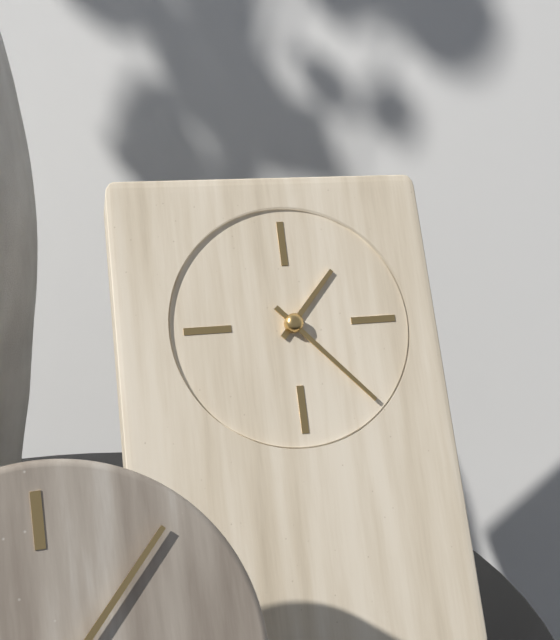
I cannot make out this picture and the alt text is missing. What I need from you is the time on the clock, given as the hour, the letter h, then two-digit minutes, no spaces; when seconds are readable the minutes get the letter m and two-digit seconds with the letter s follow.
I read 1h23
